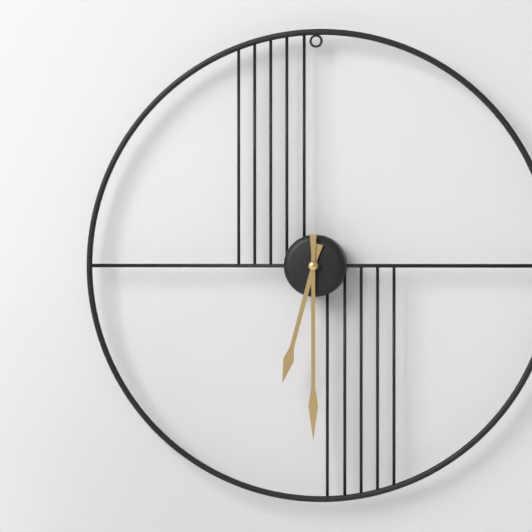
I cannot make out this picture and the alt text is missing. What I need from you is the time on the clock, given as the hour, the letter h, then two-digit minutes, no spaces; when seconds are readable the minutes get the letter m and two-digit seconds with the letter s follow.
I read 6h30
